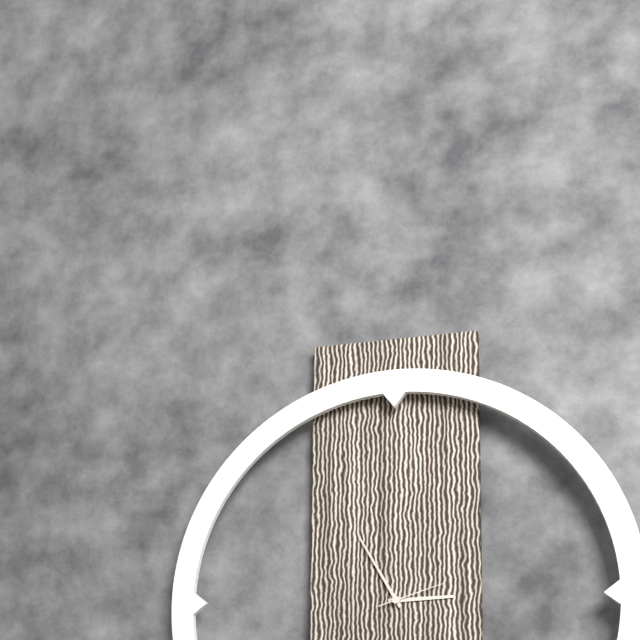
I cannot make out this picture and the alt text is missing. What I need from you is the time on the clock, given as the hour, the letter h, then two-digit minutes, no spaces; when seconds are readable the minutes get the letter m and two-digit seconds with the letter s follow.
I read 2h55m12s
